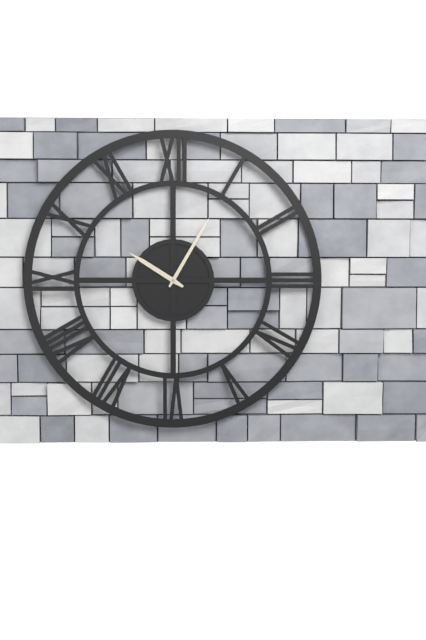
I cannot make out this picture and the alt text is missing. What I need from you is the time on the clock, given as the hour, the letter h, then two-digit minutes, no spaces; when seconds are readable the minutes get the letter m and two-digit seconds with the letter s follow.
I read 10h05
